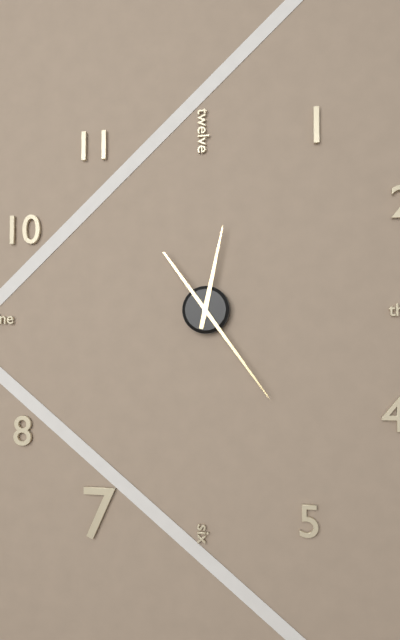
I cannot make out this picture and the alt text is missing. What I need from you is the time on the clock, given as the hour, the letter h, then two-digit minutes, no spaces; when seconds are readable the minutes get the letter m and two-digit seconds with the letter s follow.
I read 12h24
